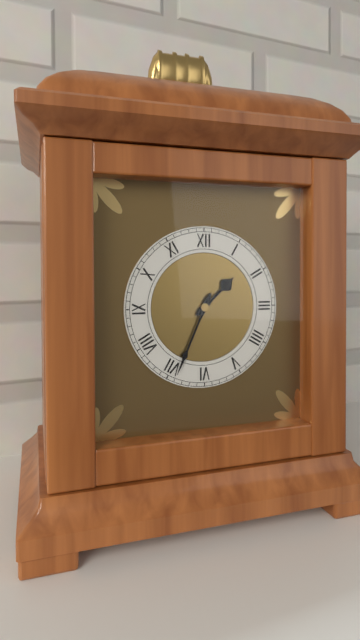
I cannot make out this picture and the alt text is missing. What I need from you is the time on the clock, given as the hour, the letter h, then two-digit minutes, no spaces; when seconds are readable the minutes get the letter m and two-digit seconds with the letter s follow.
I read 1h34
